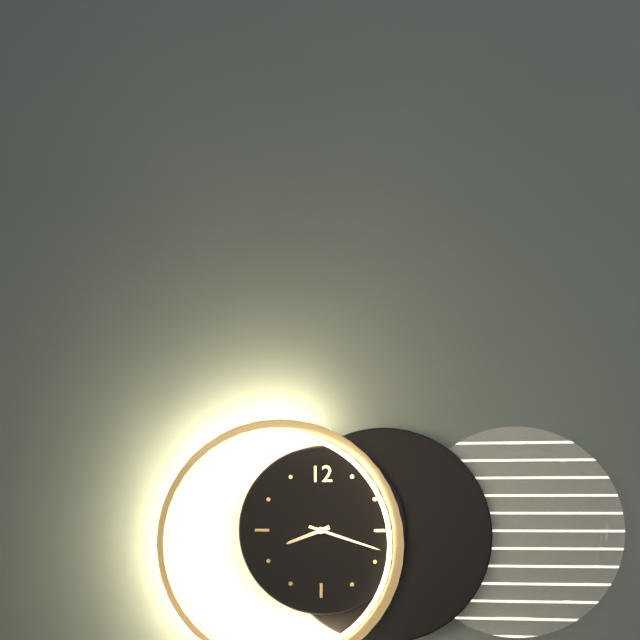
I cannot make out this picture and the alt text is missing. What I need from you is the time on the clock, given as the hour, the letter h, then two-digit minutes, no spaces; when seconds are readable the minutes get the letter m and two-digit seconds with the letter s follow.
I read 8h18
